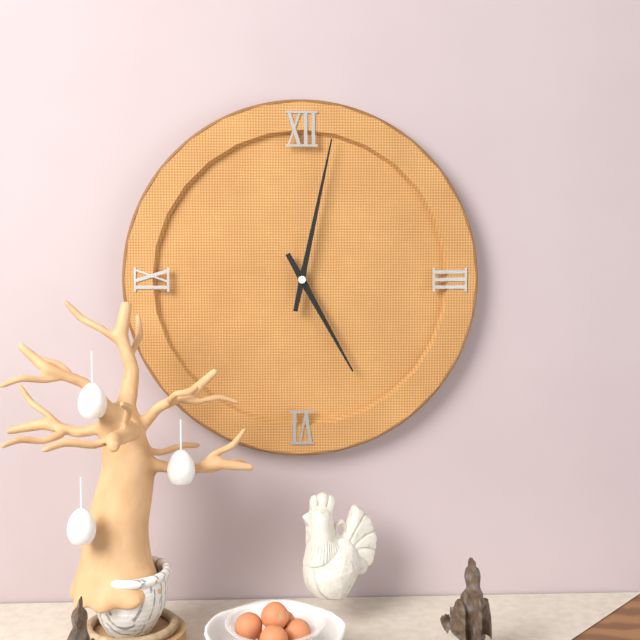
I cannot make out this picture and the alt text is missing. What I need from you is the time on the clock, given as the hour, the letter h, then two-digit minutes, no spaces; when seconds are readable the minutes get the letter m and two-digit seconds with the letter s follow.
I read 5h02
